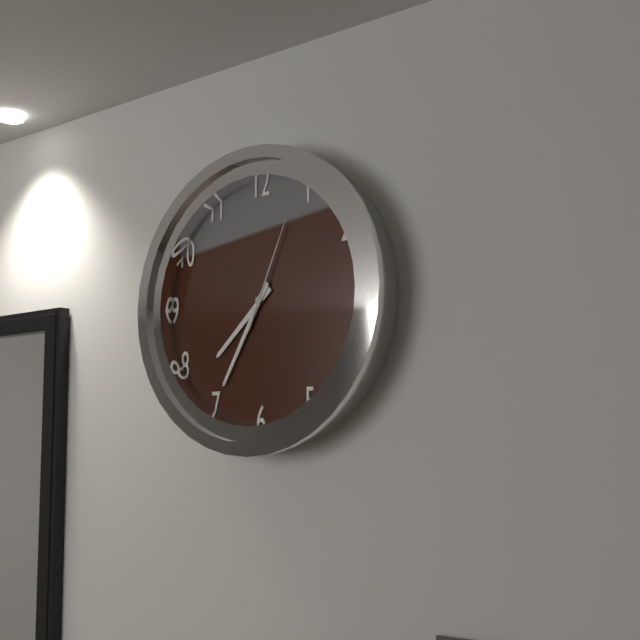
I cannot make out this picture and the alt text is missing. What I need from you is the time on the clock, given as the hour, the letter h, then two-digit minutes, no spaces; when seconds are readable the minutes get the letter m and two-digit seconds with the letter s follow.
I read 7h35m04s
